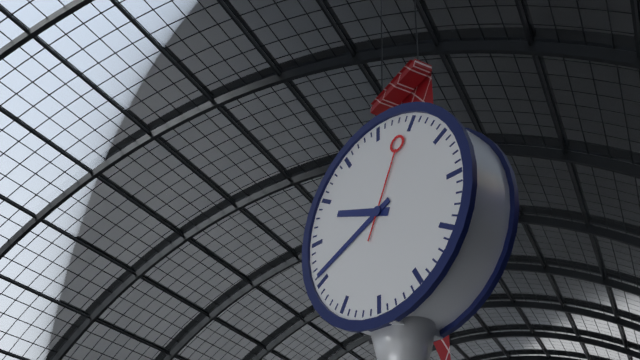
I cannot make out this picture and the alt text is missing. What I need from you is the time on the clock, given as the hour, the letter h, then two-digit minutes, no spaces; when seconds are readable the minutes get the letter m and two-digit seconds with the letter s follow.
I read 9h41m04s
